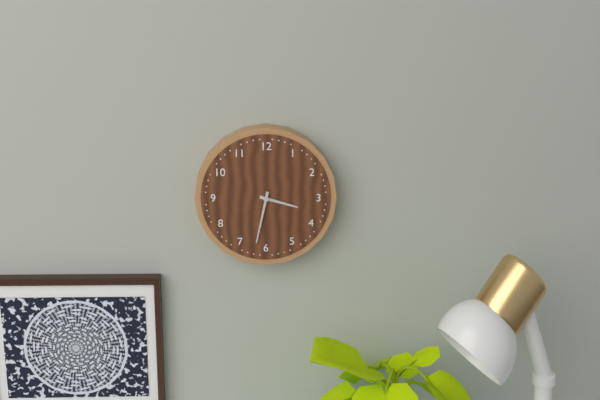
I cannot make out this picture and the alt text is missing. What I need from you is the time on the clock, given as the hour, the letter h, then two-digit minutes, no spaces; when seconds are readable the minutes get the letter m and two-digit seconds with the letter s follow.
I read 3h32
